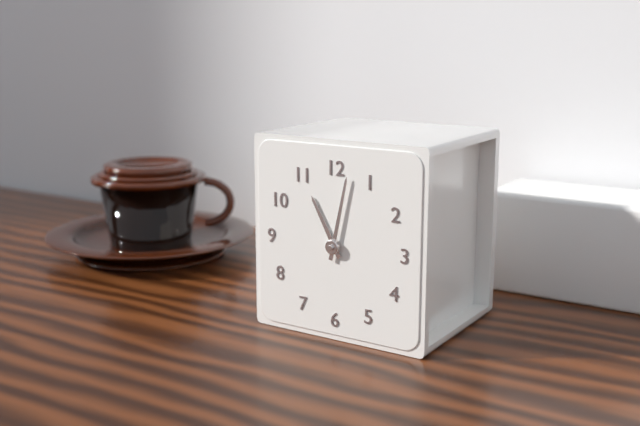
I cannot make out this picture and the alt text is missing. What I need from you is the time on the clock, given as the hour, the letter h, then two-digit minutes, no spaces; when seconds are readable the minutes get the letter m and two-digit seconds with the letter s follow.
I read 11h02
